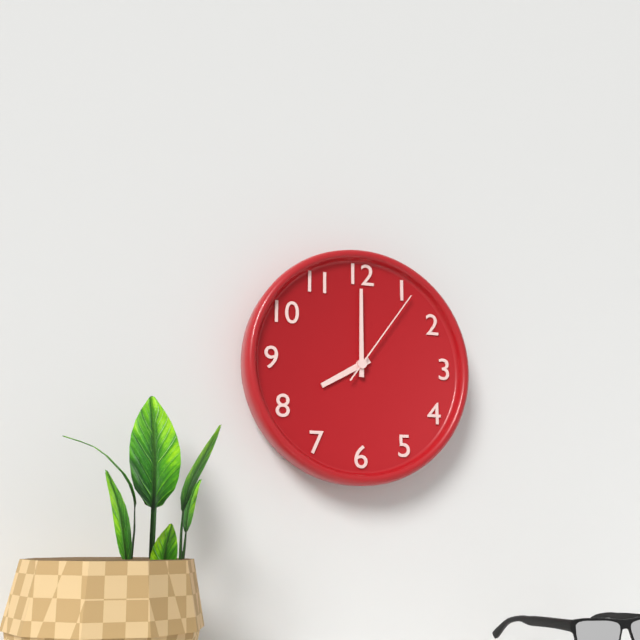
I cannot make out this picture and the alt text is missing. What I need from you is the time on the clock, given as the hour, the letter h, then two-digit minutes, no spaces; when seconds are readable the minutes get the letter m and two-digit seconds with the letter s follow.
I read 8h00m06s
